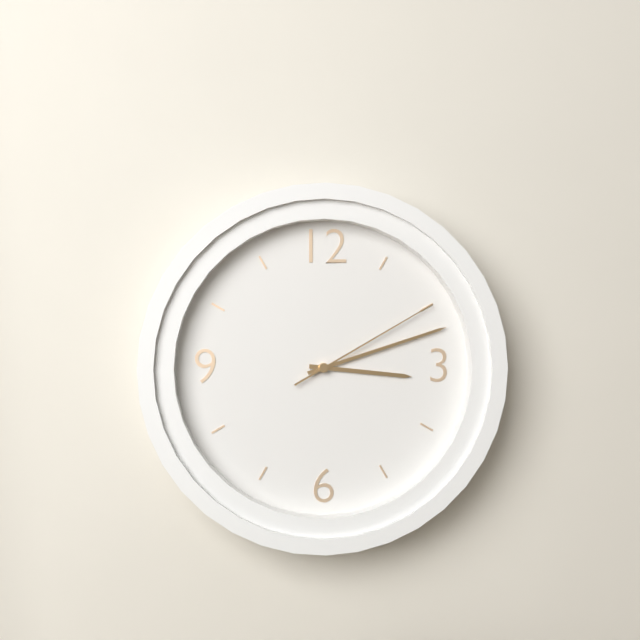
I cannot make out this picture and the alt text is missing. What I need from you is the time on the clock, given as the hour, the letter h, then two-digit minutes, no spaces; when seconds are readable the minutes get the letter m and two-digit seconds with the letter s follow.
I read 3h12m10s
